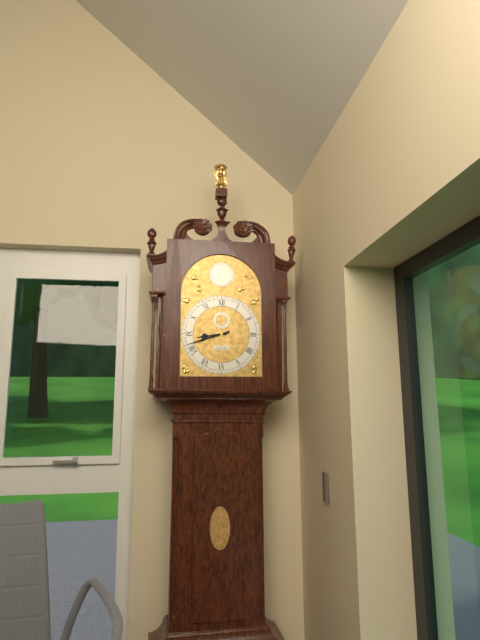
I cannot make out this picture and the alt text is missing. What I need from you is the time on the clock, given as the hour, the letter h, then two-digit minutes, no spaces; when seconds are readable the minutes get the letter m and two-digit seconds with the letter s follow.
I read 8h42
